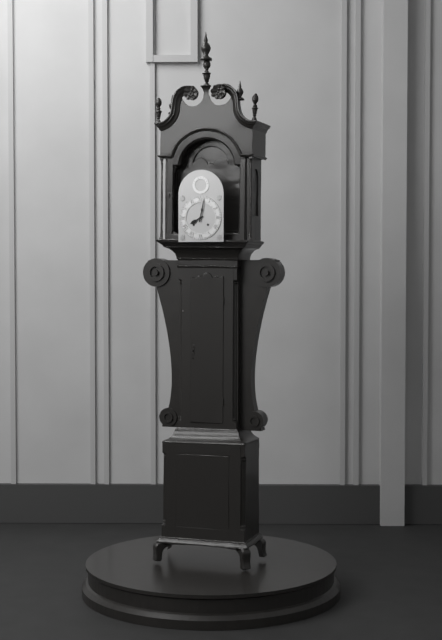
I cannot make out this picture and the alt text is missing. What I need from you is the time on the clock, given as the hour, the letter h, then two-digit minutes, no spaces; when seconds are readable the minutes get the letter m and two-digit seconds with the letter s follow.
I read 8h02
